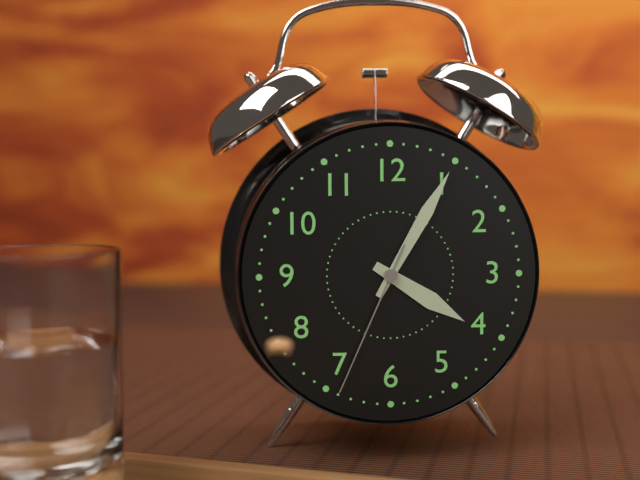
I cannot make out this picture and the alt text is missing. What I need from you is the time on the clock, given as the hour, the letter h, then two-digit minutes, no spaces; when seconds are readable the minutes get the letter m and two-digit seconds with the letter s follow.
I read 4h05m34s
